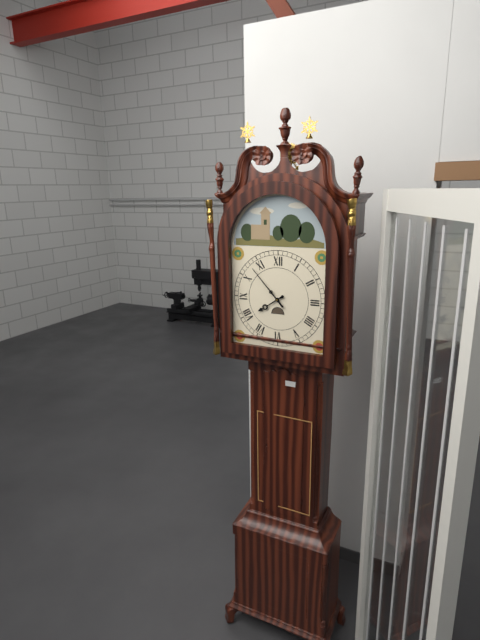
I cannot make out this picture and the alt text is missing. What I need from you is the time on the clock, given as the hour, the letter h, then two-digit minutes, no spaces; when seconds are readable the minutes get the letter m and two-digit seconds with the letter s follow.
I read 7h53
